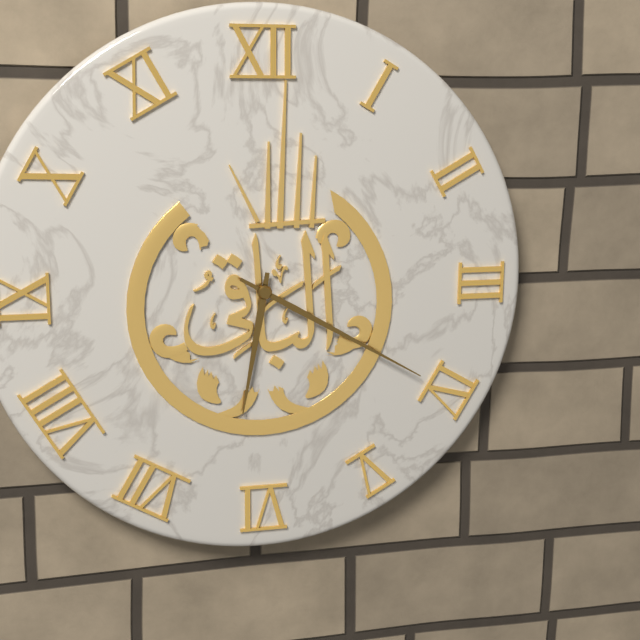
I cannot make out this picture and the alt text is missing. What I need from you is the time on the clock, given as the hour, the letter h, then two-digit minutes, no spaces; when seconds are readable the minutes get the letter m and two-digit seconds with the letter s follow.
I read 6h20
